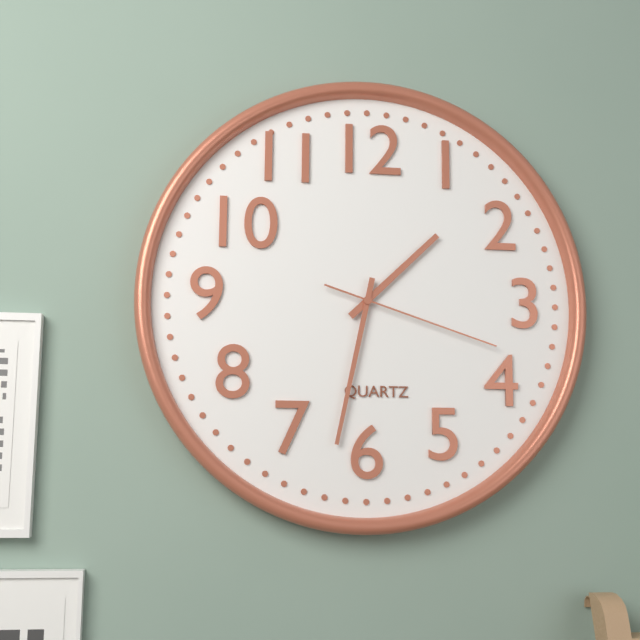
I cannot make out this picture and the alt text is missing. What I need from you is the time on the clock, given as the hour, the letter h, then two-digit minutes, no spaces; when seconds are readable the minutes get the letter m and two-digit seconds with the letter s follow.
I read 1h32m18s
